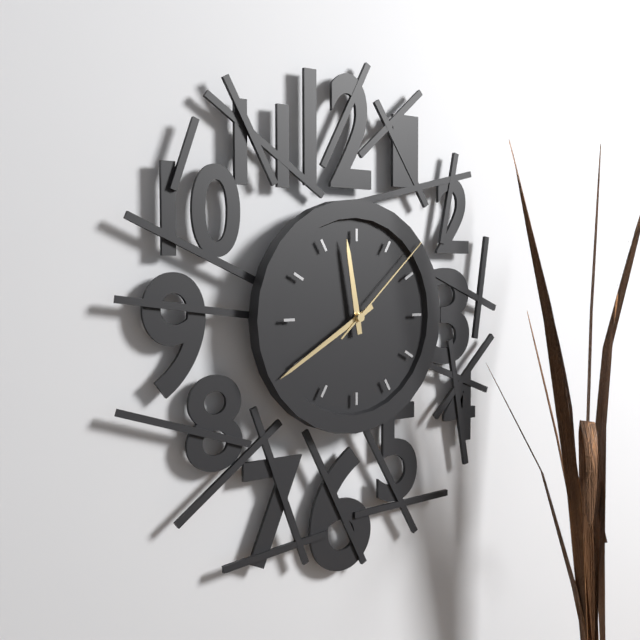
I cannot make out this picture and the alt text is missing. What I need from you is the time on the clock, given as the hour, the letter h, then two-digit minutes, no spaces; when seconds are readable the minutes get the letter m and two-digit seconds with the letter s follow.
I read 11h40m08s
